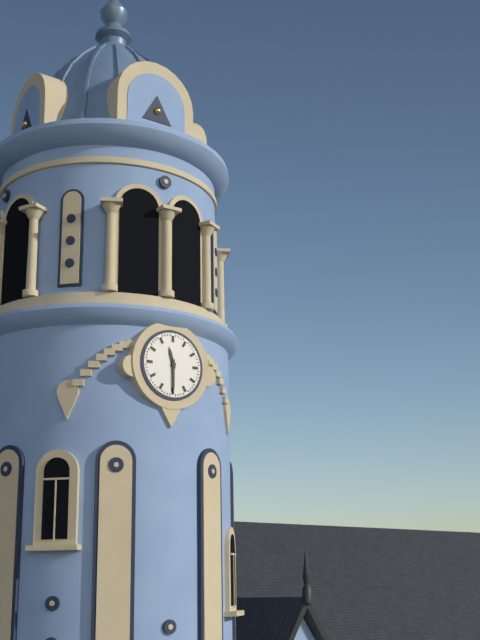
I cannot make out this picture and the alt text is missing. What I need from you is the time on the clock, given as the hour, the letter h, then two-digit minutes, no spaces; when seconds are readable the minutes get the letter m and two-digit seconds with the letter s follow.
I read 11h30
